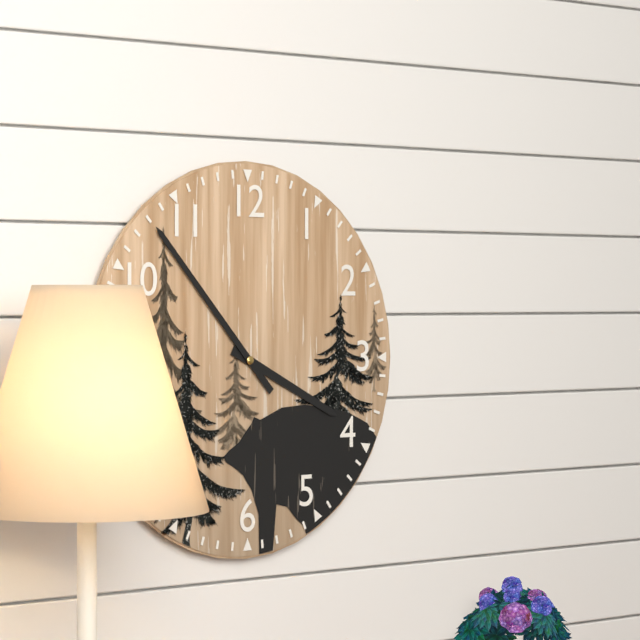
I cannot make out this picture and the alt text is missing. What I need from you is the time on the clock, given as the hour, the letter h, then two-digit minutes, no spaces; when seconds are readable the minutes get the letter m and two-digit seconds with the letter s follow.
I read 3h53
